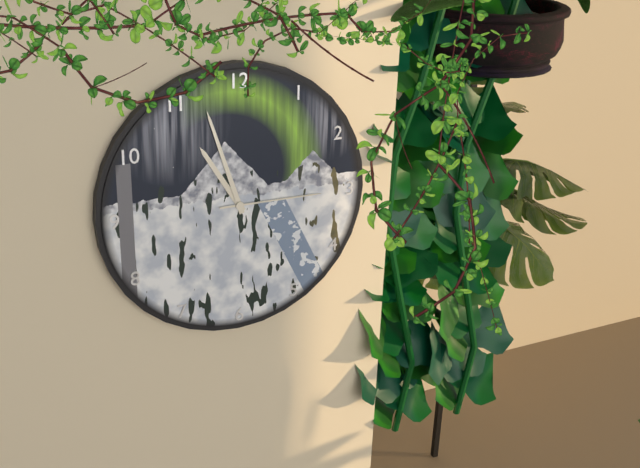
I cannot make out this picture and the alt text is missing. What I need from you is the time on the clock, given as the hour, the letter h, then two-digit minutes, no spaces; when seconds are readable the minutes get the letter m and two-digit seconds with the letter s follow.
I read 10h57m15s
